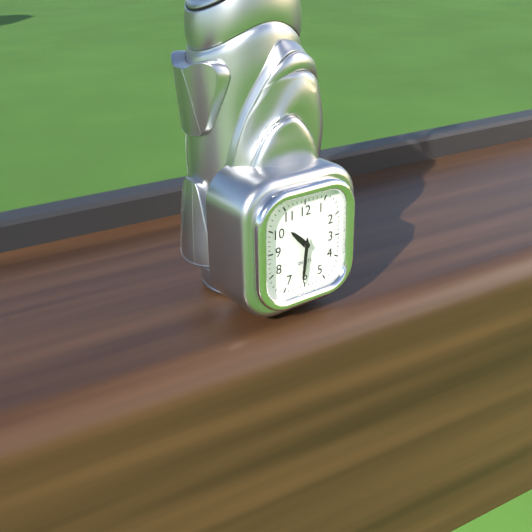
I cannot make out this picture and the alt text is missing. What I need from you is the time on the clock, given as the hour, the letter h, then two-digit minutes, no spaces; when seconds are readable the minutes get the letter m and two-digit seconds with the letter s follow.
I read 10h31
